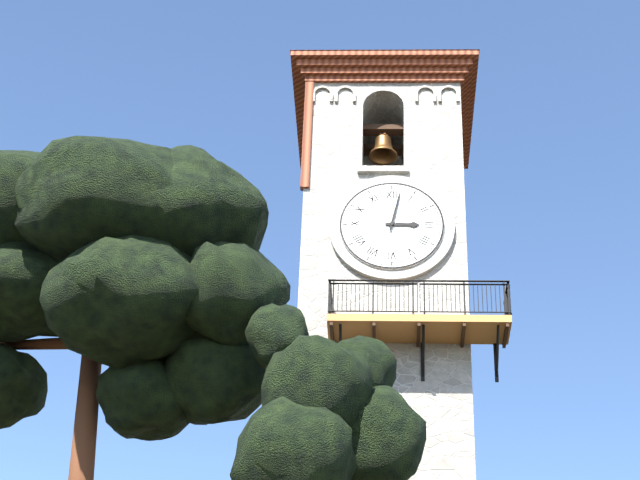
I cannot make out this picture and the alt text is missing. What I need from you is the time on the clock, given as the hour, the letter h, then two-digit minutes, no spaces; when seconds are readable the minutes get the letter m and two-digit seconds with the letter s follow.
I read 3h02
